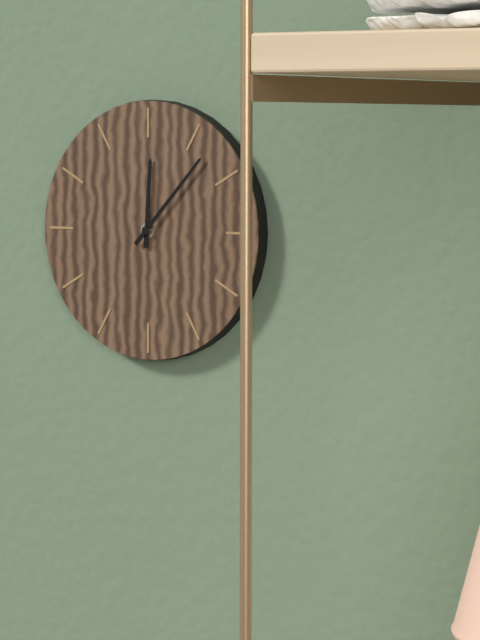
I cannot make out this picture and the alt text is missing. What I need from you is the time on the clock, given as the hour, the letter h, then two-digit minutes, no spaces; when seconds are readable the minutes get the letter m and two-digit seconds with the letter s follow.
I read 12h07
